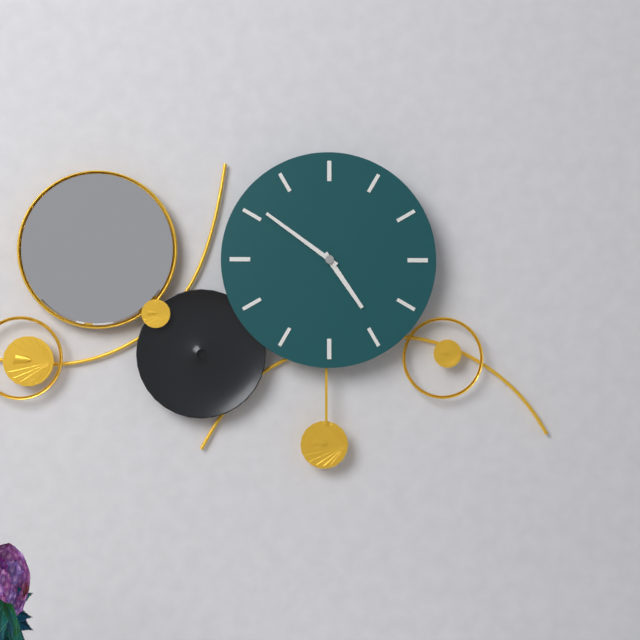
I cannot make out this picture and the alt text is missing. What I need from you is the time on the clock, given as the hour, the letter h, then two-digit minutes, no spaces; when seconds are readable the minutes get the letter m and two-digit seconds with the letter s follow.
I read 4h51
